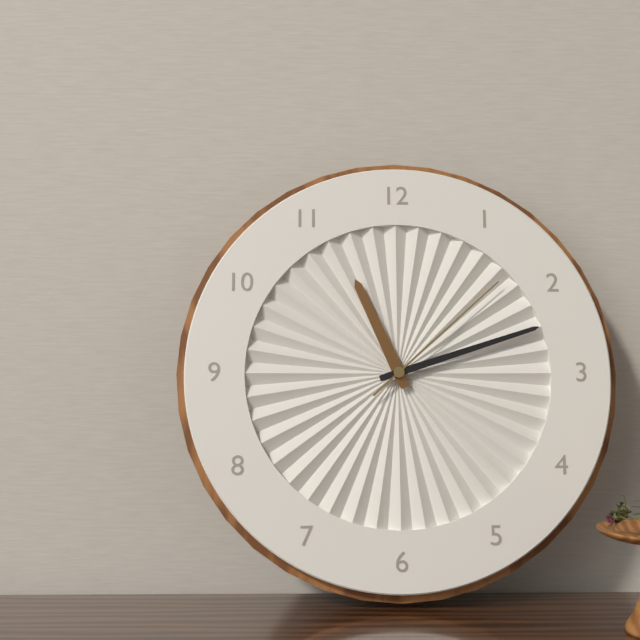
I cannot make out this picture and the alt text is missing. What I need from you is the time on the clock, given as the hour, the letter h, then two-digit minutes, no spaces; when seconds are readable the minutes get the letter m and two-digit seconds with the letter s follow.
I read 11h12m08s
